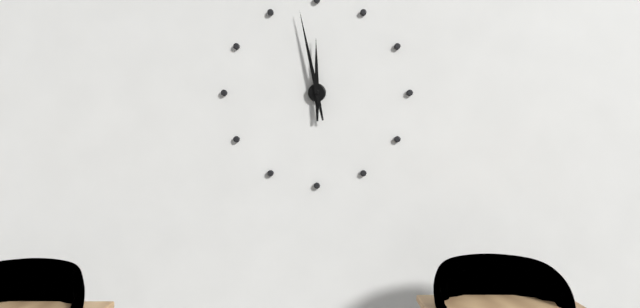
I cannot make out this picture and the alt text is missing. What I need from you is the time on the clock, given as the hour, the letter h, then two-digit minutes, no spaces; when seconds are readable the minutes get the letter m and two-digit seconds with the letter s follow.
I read 11h58
